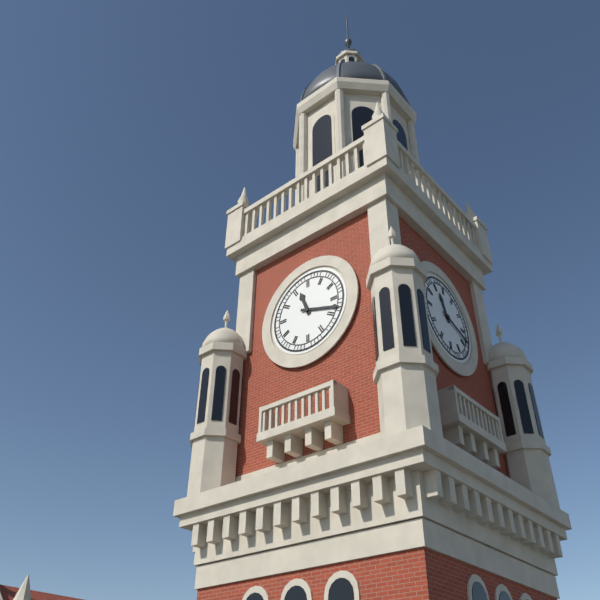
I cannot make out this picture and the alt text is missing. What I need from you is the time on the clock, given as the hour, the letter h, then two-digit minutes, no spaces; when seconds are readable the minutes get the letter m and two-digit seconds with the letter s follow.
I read 11h18
